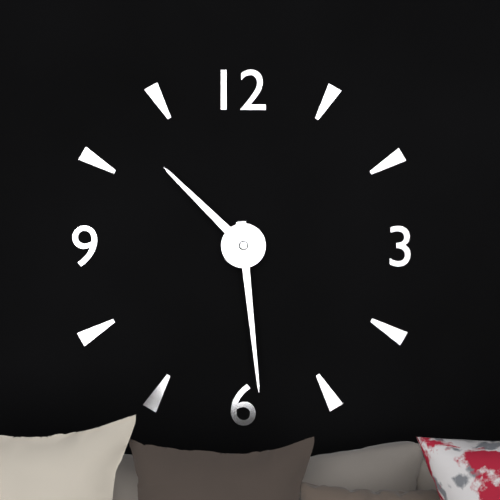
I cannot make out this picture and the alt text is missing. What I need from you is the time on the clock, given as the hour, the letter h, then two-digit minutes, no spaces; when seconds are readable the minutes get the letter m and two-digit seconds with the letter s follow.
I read 10h29
